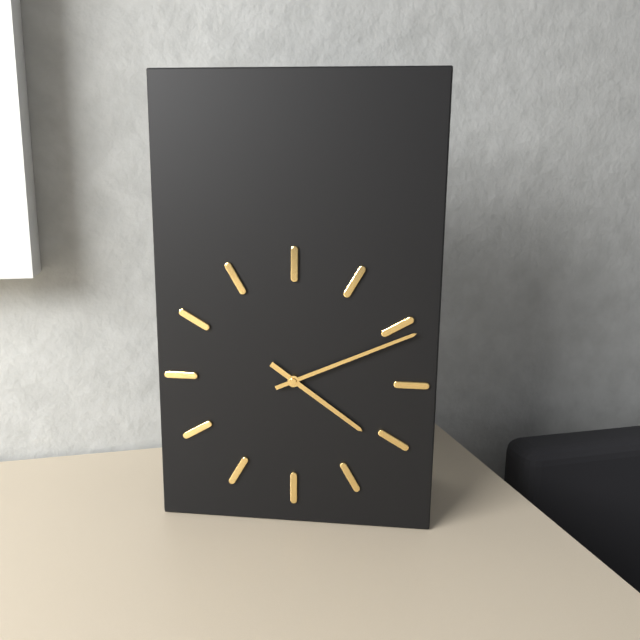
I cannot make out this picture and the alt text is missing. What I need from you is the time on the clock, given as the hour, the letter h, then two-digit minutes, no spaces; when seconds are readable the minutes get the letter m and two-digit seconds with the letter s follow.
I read 4h11
